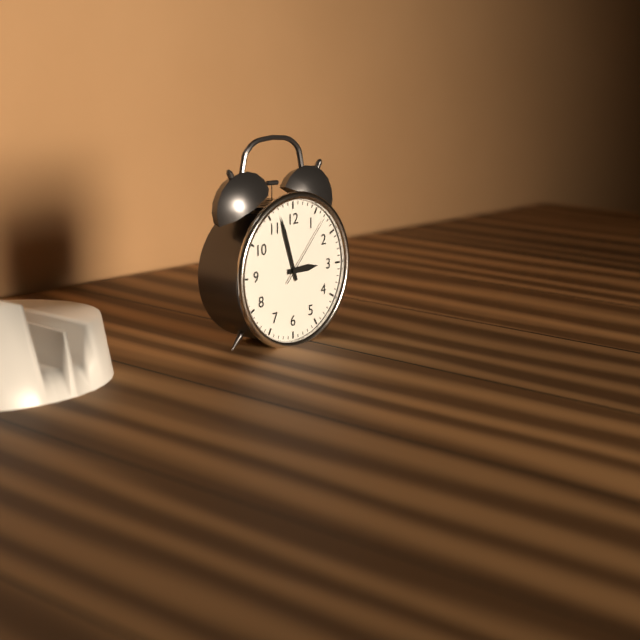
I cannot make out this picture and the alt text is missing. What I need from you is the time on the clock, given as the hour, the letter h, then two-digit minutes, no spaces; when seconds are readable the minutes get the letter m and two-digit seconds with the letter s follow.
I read 2h57m07s
